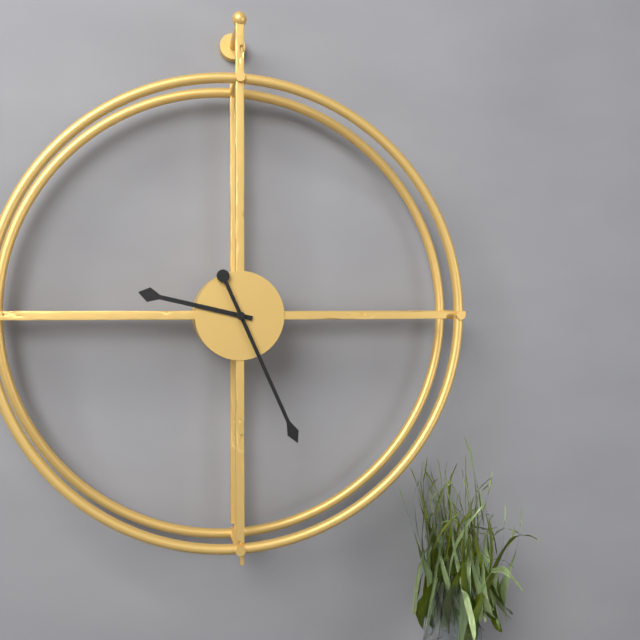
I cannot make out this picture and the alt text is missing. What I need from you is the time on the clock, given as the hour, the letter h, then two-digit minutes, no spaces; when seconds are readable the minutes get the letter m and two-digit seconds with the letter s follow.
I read 9h26
